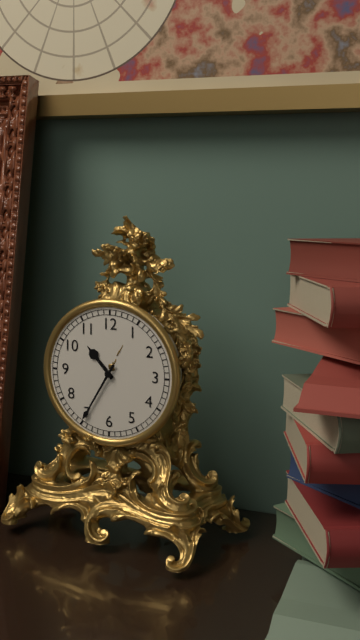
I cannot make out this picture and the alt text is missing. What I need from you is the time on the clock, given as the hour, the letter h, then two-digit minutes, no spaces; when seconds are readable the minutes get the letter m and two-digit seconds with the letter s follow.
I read 10h35
